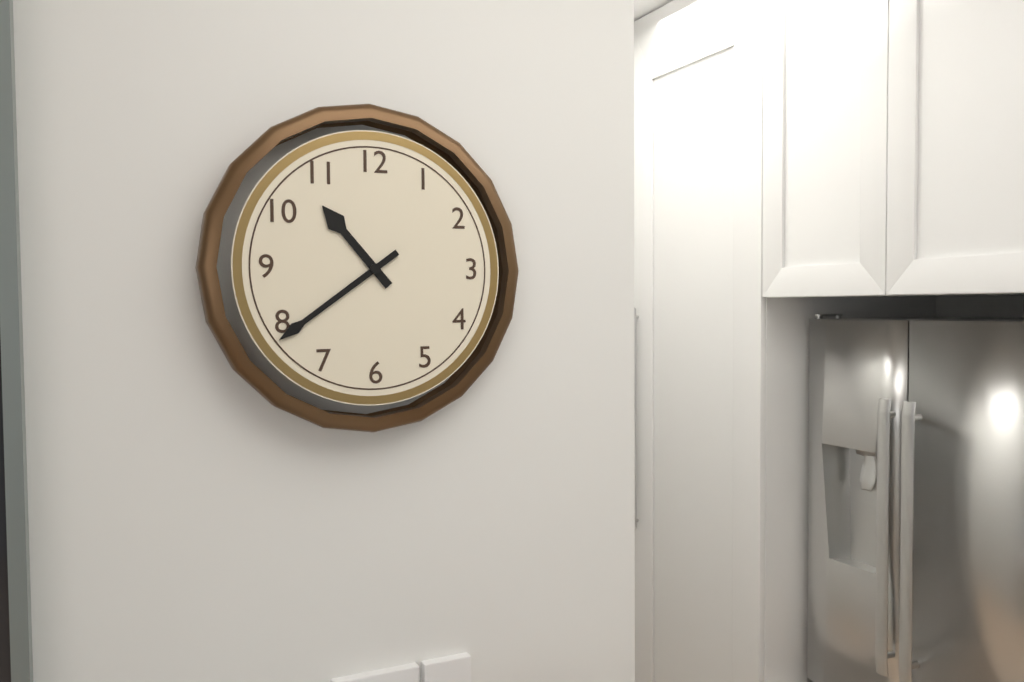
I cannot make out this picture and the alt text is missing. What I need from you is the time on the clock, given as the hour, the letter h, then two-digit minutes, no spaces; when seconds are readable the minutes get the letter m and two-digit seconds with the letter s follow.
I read 10h39
